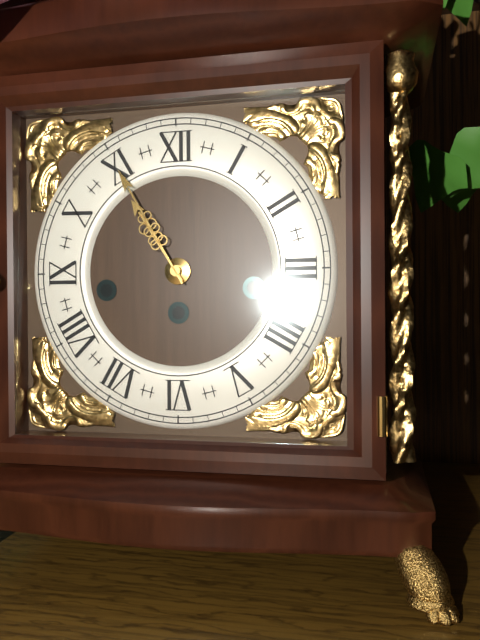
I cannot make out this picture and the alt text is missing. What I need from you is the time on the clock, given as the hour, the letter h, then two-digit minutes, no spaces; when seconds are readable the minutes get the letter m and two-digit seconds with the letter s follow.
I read 10h55
